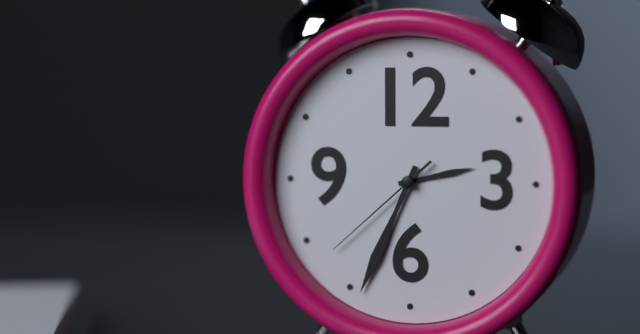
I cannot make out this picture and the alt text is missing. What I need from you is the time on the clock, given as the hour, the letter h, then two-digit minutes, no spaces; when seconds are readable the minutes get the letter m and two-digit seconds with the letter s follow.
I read 2h34m38s
